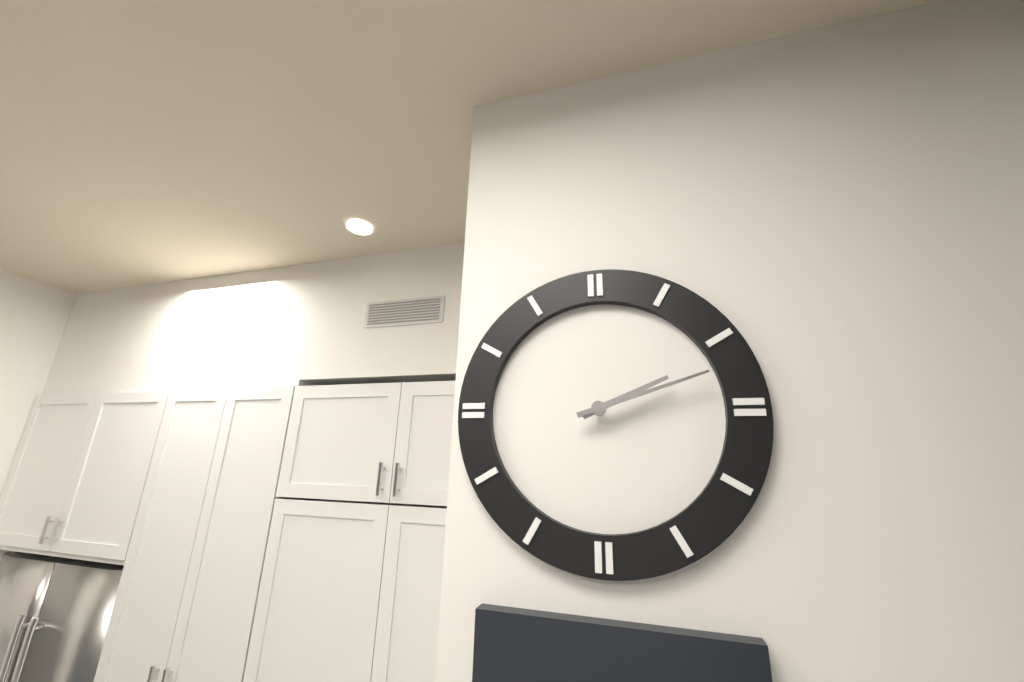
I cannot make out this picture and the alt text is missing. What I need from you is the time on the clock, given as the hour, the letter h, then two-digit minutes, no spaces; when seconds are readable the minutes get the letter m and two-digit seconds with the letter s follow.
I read 2h12
